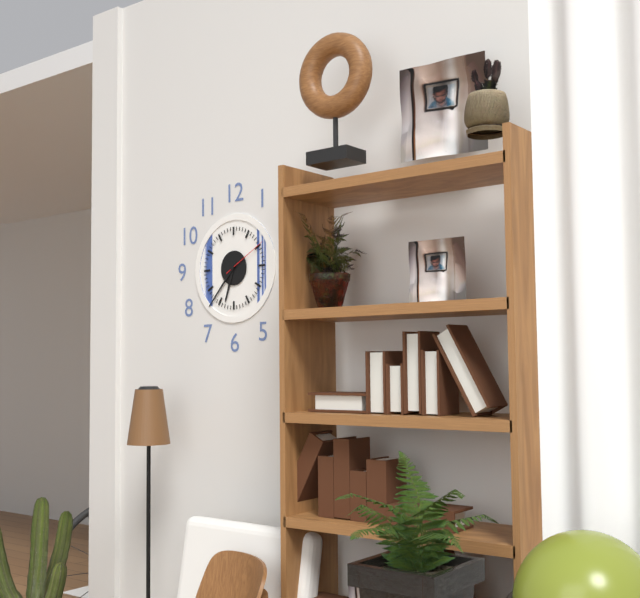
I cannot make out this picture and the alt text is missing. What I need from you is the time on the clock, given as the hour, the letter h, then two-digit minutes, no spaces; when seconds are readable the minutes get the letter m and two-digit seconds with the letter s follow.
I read 6h37
